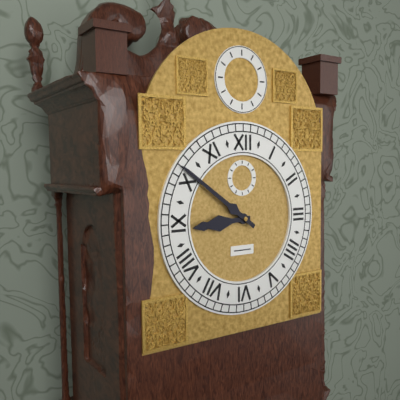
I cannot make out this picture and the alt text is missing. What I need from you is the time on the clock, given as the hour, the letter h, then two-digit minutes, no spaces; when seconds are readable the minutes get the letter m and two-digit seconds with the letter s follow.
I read 8h51
